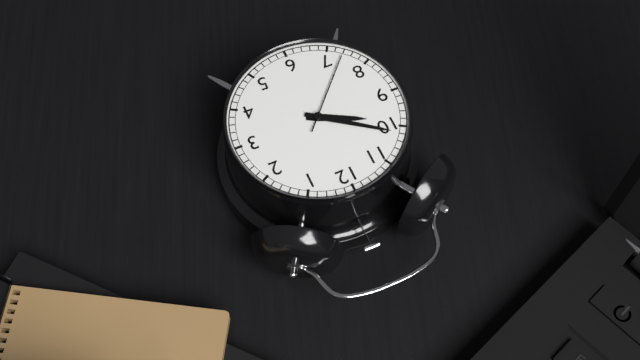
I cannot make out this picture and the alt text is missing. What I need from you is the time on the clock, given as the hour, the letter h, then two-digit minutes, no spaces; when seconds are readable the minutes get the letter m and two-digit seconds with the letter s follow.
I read 9h51m37s
